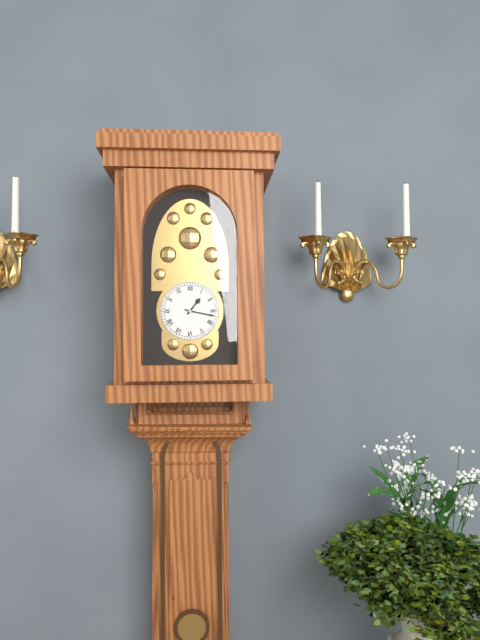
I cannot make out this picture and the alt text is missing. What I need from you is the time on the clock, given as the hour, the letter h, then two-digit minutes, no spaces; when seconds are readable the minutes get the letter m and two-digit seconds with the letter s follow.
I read 1h17
